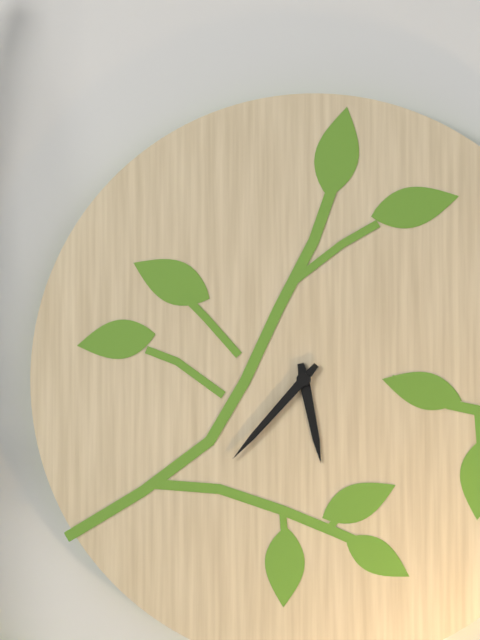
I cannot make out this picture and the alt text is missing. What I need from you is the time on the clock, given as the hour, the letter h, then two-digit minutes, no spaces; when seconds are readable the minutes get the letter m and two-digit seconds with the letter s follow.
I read 5h37
